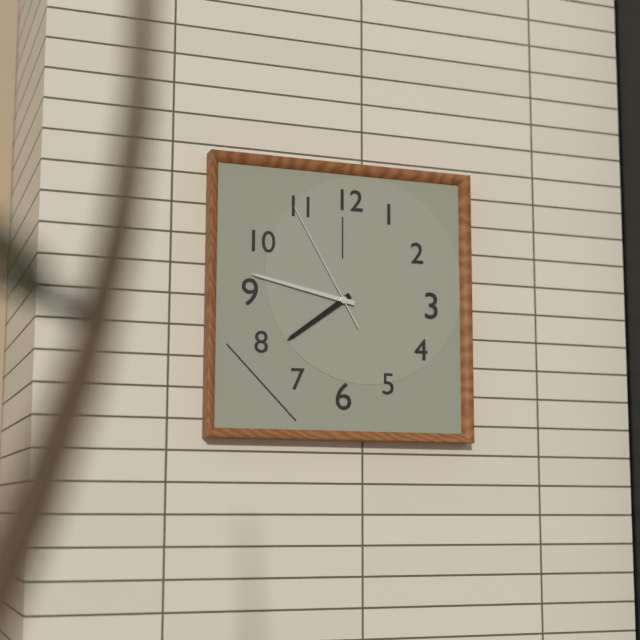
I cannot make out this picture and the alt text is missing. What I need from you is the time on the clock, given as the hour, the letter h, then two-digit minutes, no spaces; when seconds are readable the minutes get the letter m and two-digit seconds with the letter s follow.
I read 7h47m55s
